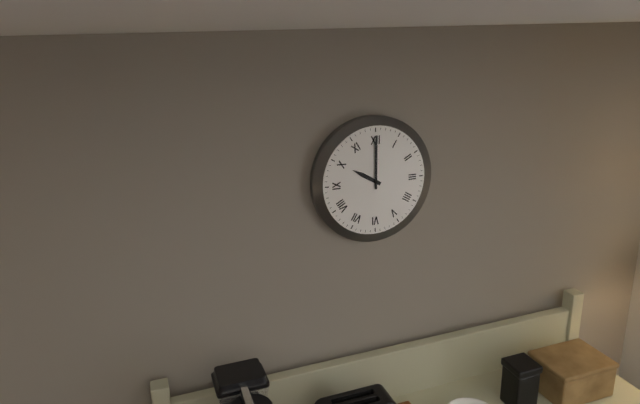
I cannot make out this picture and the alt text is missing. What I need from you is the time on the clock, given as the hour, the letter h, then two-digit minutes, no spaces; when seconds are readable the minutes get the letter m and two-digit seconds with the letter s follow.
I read 10h00
